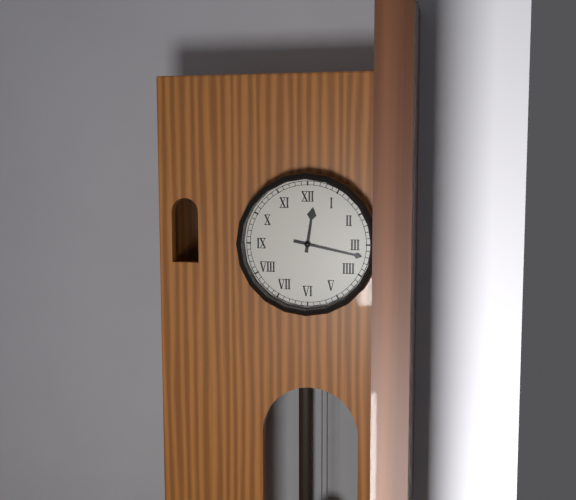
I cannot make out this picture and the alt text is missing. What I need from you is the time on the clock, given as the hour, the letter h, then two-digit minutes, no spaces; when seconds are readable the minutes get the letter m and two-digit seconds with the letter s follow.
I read 12h17
